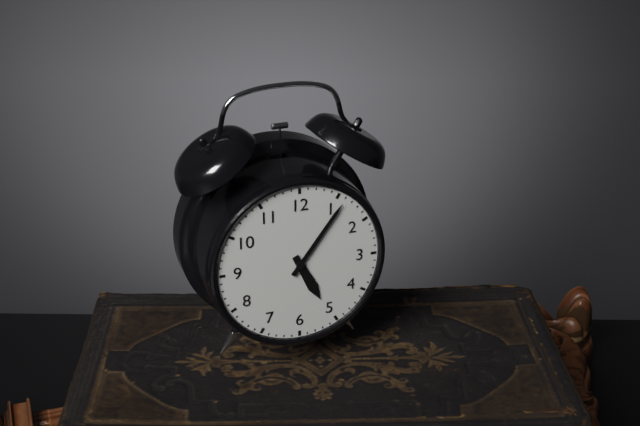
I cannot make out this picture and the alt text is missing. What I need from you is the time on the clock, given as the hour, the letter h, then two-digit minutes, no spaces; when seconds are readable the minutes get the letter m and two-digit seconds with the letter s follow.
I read 5h06
